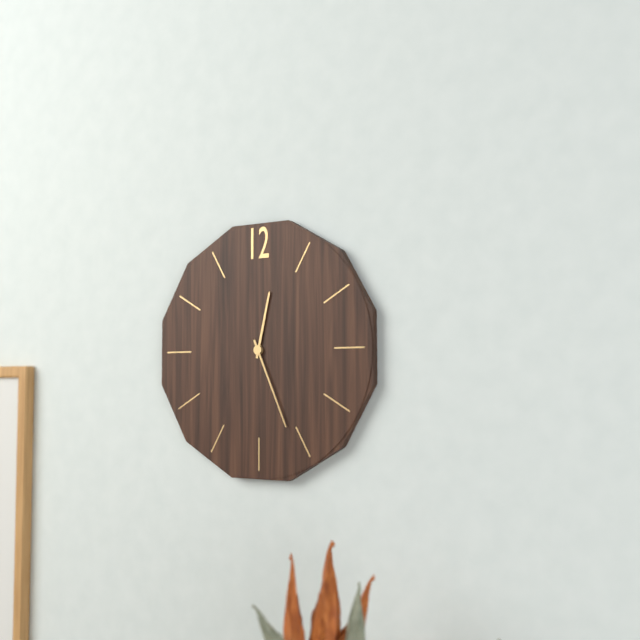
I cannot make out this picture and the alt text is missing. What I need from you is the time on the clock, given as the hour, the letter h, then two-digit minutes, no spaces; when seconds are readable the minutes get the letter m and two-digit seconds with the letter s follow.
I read 12h26
